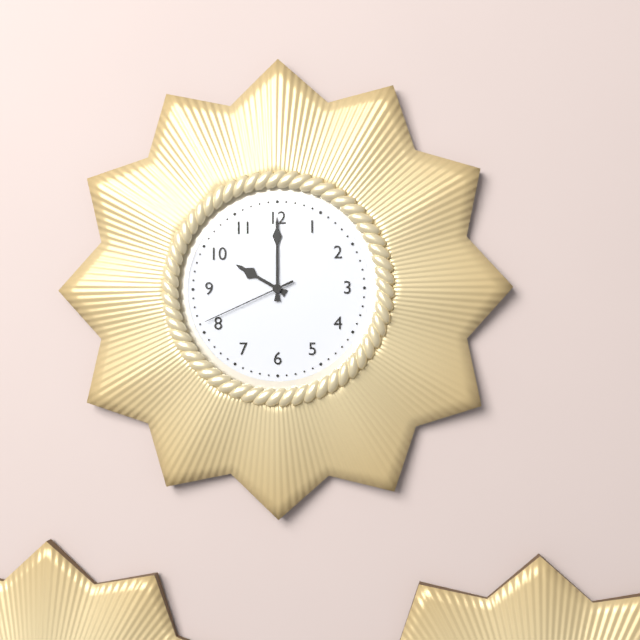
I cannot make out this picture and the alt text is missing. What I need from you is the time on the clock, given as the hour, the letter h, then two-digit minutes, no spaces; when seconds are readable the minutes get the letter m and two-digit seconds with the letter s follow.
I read 10h00m41s
